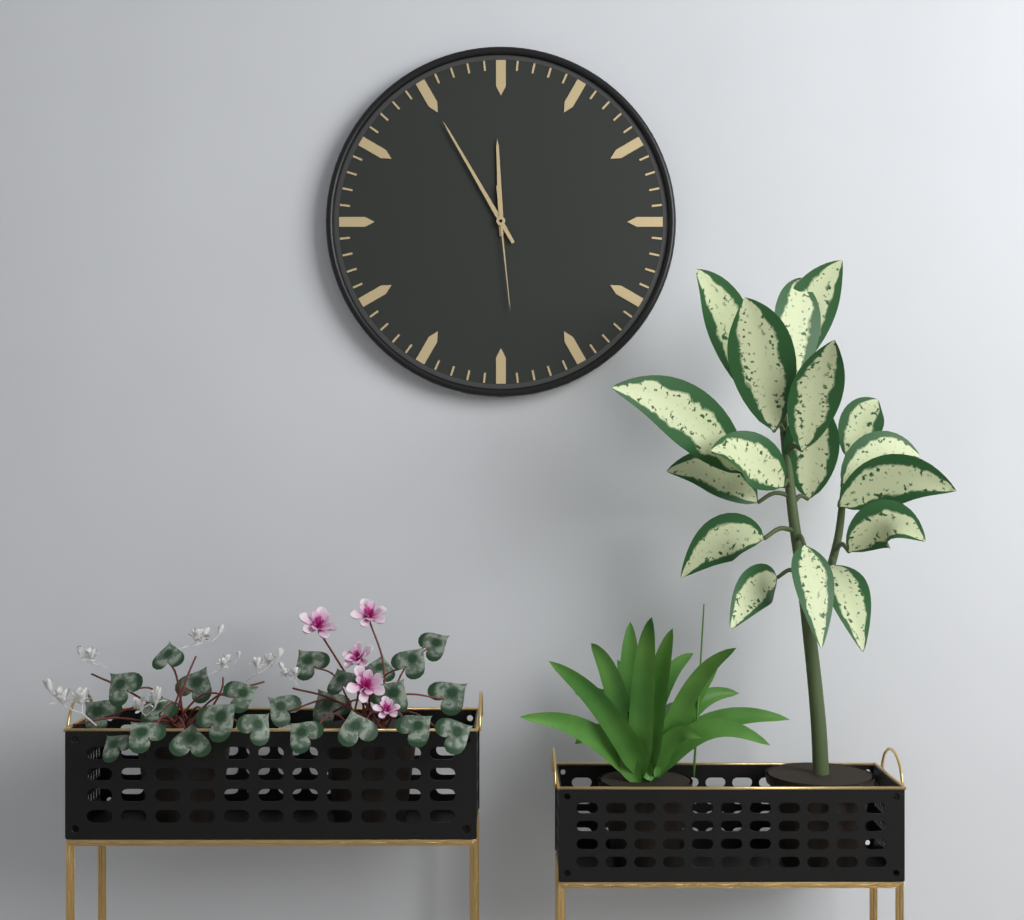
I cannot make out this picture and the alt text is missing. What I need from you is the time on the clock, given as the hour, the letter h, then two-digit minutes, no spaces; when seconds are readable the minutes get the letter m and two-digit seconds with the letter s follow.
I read 11h55m29s
